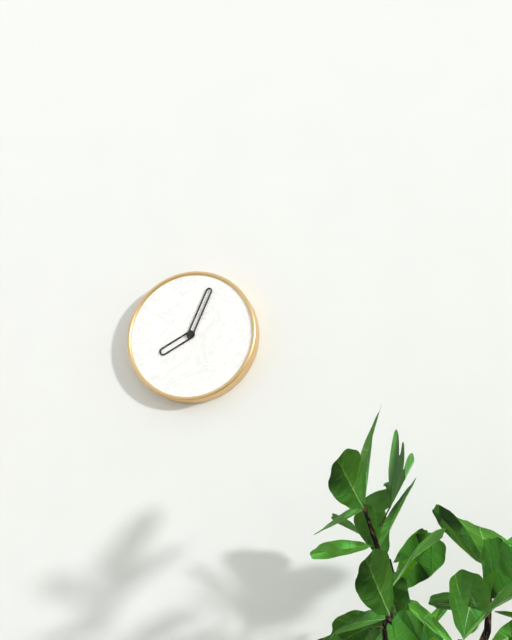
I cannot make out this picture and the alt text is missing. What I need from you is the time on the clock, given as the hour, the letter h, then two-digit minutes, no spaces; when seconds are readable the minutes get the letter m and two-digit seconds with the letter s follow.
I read 8h04
